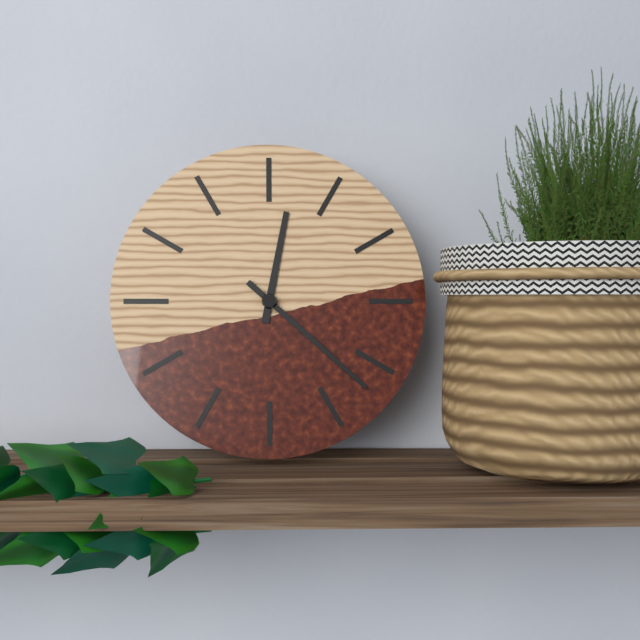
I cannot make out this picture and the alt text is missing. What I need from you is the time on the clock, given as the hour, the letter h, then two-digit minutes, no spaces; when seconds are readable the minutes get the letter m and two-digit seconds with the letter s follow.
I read 12h22
